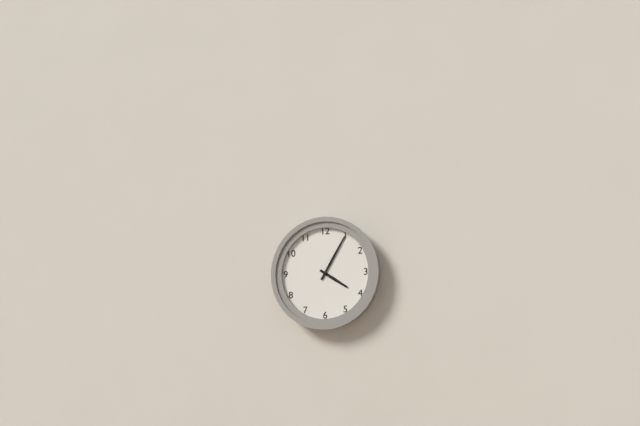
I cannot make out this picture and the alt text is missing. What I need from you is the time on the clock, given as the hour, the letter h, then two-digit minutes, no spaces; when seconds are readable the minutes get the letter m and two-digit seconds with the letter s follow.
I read 4h05
